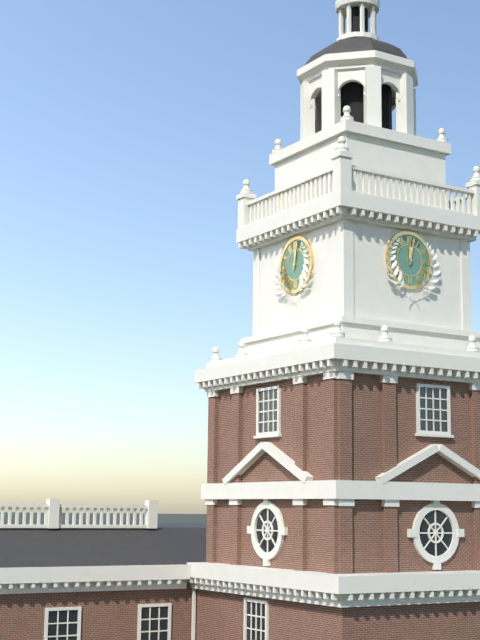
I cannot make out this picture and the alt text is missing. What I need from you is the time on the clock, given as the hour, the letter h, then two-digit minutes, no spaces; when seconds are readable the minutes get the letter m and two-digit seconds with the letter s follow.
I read 12h02
